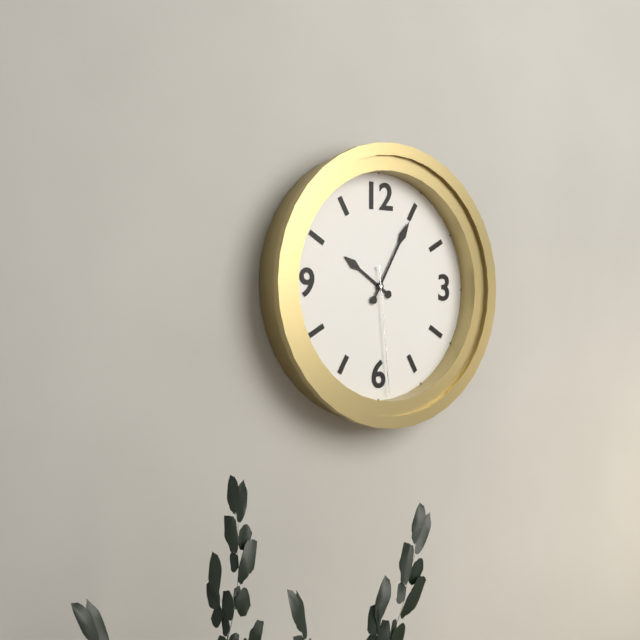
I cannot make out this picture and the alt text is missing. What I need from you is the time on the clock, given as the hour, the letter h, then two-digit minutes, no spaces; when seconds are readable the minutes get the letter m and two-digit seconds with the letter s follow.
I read 10h05m29s
